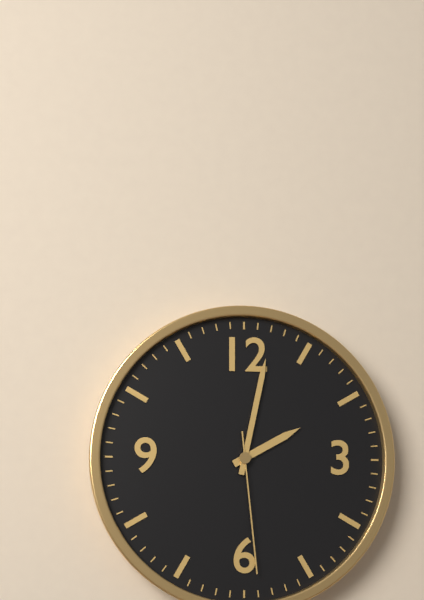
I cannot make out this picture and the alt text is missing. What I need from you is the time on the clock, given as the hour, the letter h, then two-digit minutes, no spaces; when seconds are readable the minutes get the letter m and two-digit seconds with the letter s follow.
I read 2h02m29s
